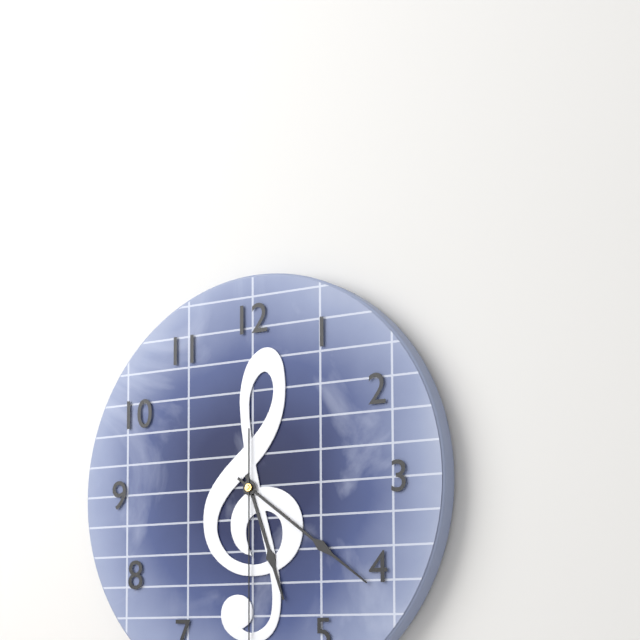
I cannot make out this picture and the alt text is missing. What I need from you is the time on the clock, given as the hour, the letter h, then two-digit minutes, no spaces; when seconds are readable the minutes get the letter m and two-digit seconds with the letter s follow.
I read 5h21
